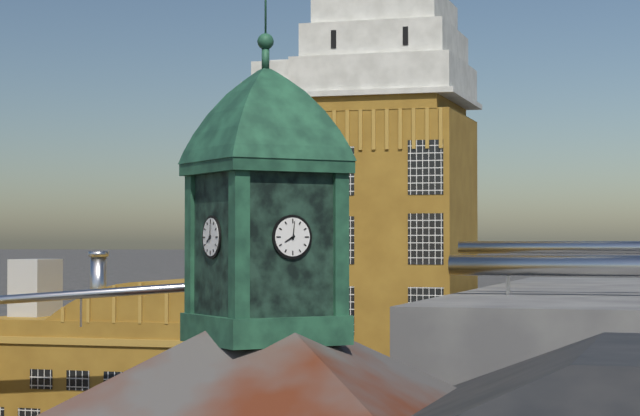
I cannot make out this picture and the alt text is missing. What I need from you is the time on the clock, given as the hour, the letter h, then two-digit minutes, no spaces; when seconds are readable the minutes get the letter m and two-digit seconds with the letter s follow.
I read 8h01
